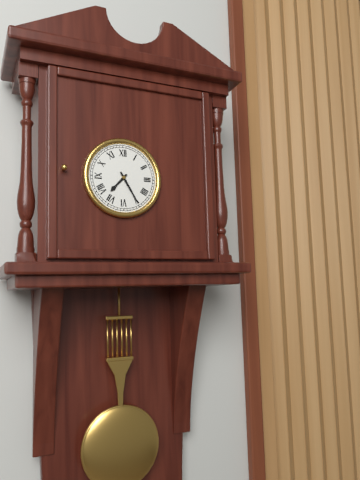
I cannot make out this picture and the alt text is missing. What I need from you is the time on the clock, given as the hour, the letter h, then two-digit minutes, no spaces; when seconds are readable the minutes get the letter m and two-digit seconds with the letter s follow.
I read 7h25
